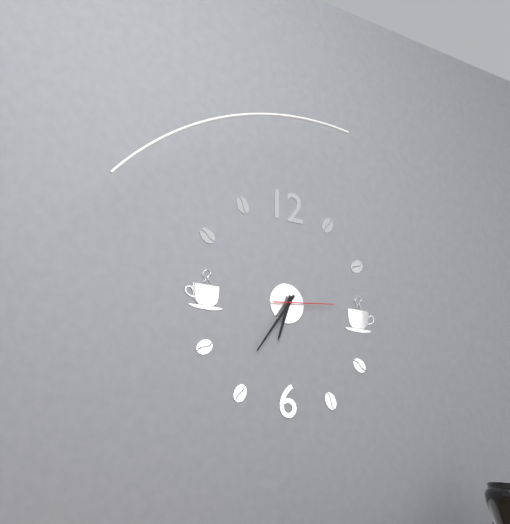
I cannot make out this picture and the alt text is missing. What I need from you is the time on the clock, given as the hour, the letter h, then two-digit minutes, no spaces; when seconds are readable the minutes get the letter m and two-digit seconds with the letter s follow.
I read 6h36m14s
